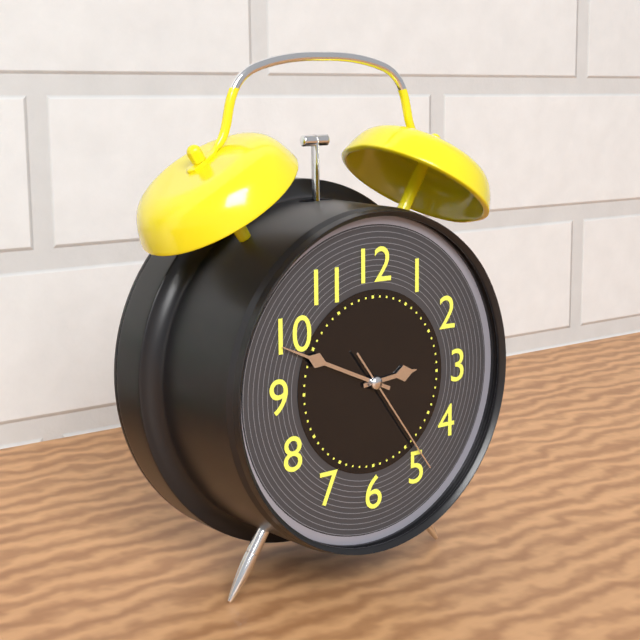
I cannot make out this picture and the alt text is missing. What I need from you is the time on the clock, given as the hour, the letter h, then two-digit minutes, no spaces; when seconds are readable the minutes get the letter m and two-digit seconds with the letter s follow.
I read 2h49m24s
